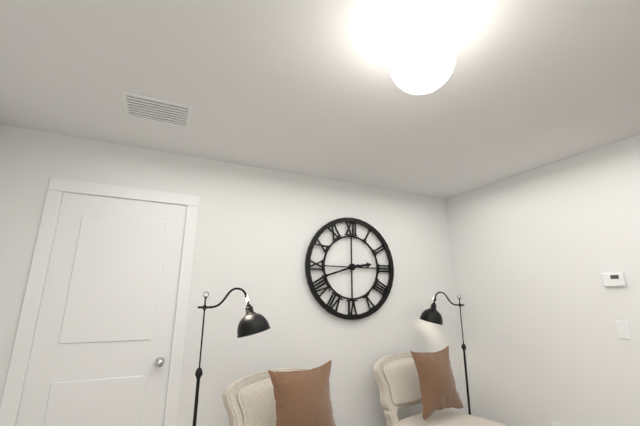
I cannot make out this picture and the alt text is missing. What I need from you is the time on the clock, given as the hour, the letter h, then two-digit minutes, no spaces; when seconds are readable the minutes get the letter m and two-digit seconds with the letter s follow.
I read 2h42
